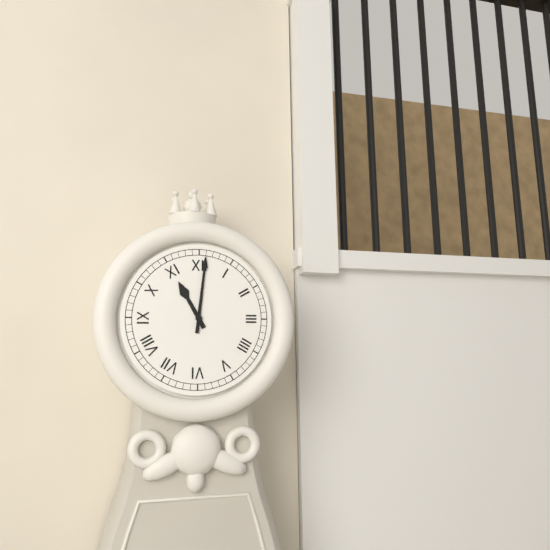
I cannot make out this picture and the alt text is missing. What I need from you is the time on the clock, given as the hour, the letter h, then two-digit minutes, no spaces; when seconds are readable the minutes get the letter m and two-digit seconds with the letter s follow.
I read 11h01
